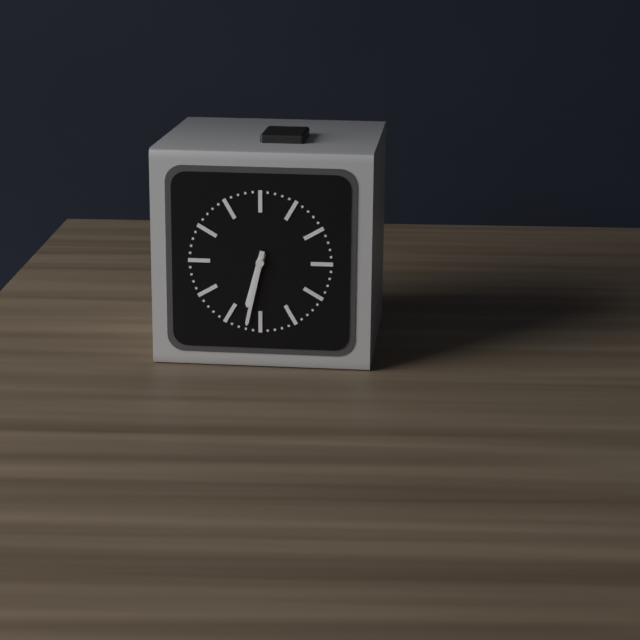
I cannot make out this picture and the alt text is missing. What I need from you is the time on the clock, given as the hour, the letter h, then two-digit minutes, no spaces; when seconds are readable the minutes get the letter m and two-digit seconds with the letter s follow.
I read 6h32
